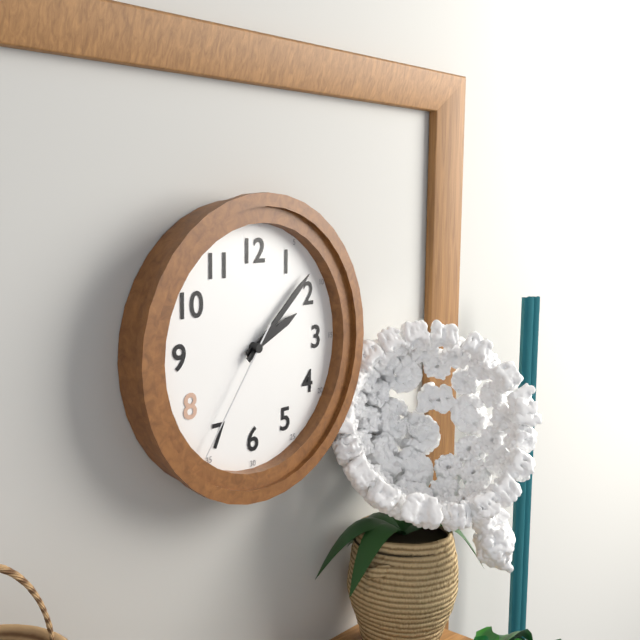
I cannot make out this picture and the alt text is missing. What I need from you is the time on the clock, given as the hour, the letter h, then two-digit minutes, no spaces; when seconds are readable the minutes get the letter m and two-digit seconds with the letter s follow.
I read 2h08m36s
